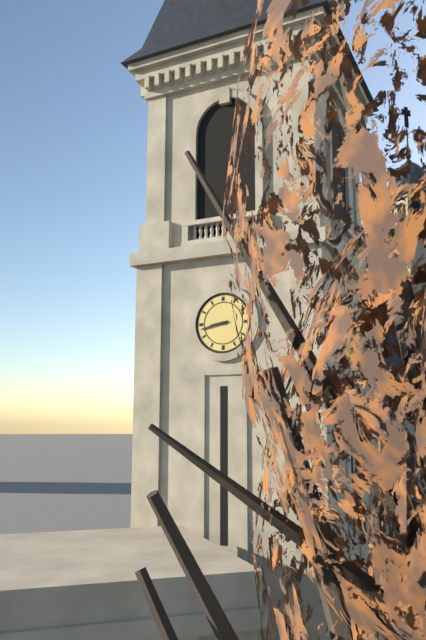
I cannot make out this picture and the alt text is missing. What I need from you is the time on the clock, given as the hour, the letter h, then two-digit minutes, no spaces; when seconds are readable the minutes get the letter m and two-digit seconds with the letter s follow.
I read 8h43
